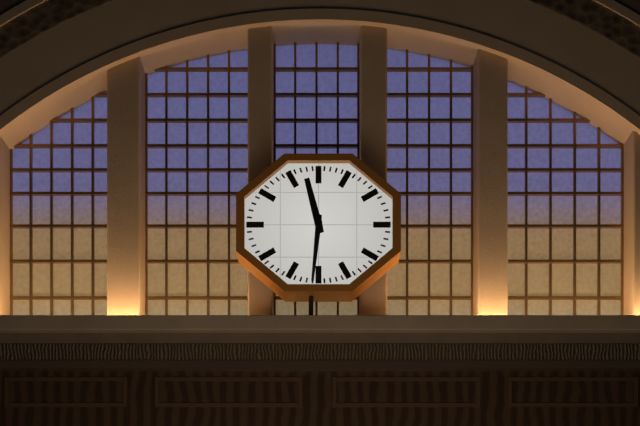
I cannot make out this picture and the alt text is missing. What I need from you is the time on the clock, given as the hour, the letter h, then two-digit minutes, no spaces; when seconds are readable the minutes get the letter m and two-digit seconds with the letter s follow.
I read 11h31
